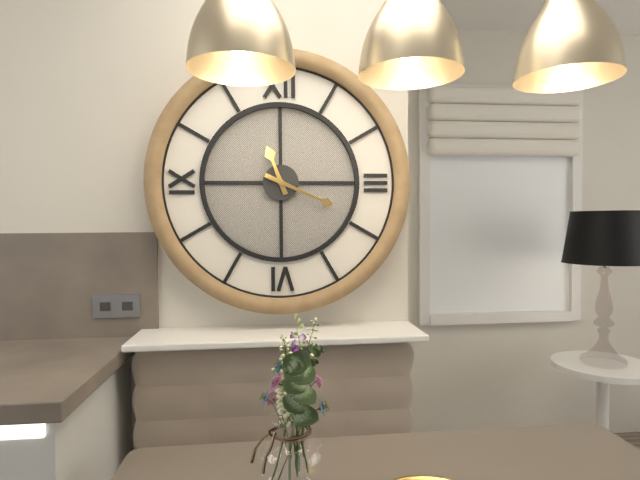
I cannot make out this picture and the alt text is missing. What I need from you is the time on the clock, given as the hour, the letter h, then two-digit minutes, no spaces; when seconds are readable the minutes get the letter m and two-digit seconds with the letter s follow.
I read 11h19
